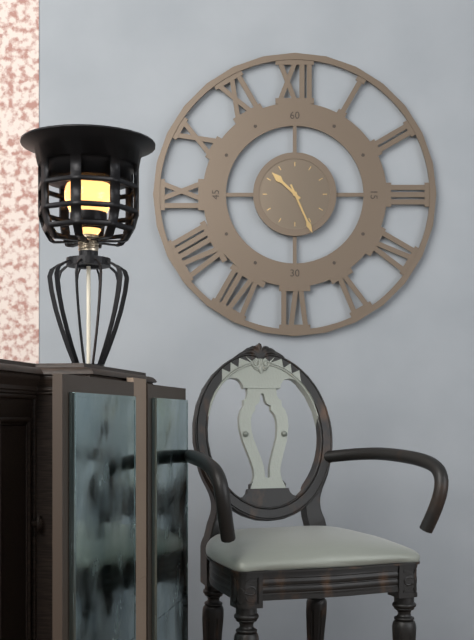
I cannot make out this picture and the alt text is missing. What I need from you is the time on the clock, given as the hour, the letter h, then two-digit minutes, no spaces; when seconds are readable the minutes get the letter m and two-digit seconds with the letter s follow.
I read 10h26
